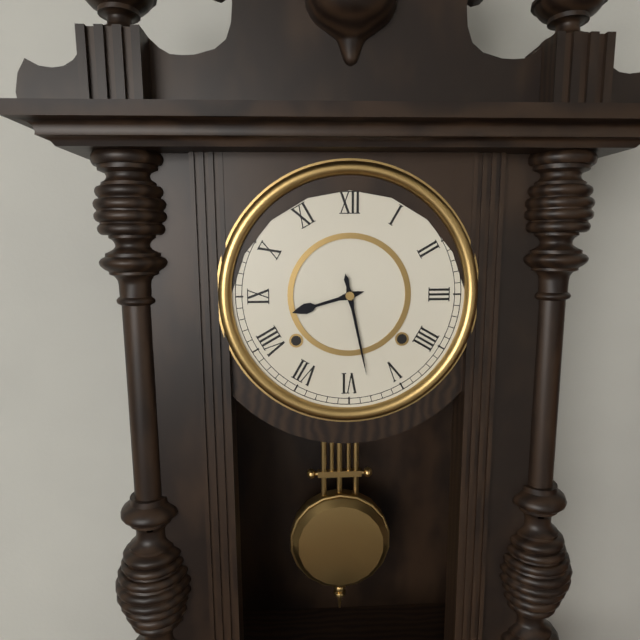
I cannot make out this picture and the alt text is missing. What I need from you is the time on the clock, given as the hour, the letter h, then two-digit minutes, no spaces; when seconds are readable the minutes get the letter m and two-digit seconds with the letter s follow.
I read 8h28
